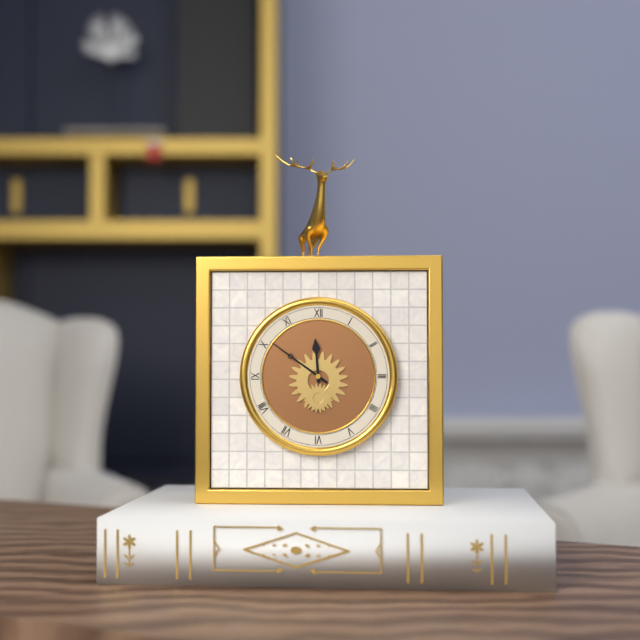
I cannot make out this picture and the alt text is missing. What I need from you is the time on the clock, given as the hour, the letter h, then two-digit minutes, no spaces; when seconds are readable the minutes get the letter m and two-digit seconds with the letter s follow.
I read 11h51
